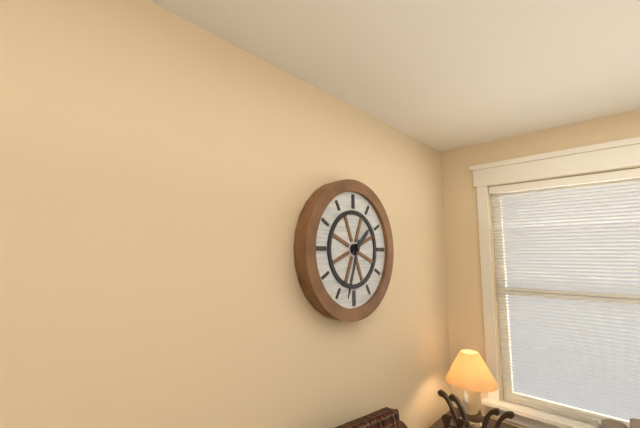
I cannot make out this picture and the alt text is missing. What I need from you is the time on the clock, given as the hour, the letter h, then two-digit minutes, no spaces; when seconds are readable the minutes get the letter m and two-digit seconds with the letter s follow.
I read 1h33
